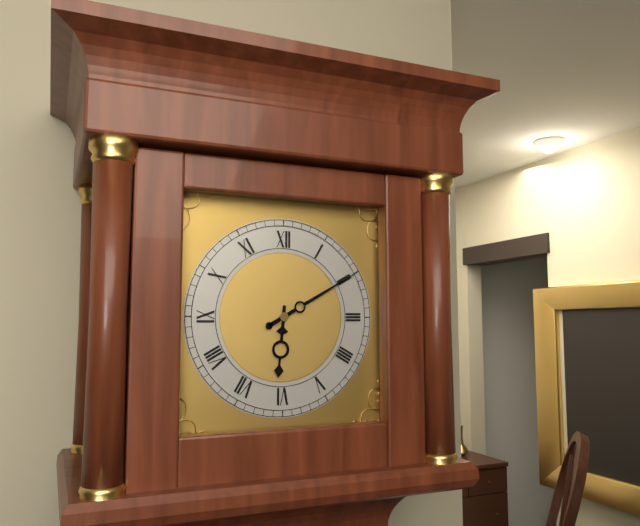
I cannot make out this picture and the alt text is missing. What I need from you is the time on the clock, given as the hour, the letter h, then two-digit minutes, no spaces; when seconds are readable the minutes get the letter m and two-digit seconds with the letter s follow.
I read 6h10
